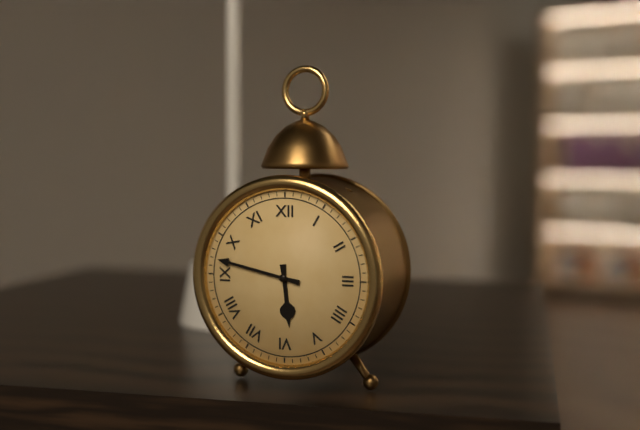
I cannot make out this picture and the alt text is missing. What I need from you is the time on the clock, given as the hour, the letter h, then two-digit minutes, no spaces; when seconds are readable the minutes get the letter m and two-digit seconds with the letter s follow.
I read 5h47
